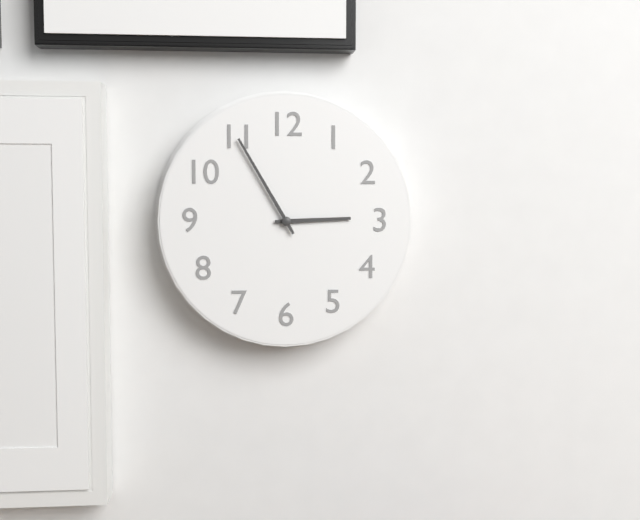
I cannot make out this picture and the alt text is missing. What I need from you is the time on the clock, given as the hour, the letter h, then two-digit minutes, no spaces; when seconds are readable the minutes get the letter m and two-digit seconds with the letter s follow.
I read 2h55
